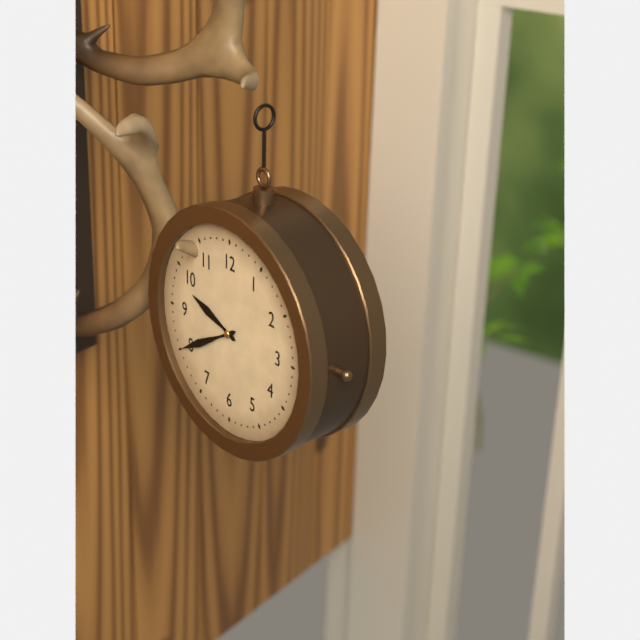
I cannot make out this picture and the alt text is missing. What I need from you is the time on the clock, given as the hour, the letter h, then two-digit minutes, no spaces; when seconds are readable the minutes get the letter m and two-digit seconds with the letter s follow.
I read 9h40
